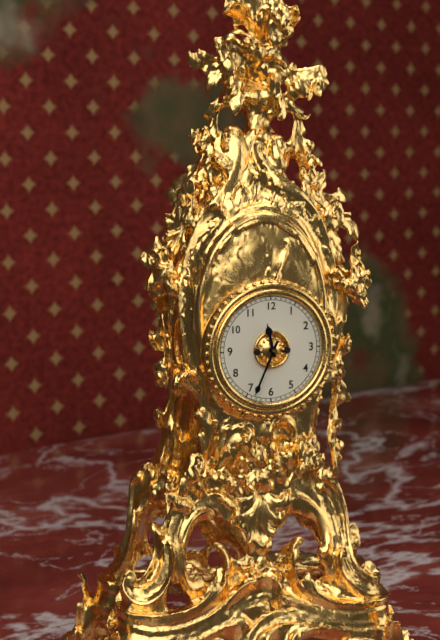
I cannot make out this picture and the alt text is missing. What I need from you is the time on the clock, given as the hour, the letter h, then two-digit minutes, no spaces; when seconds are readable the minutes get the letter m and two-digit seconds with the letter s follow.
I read 11h34
